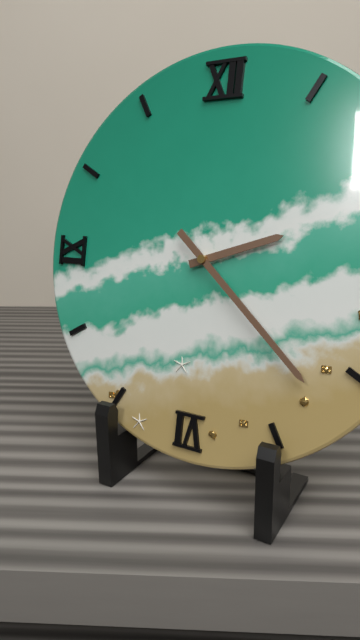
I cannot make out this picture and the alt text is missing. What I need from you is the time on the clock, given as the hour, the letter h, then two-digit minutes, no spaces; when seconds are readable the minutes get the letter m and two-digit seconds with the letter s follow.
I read 2h22
